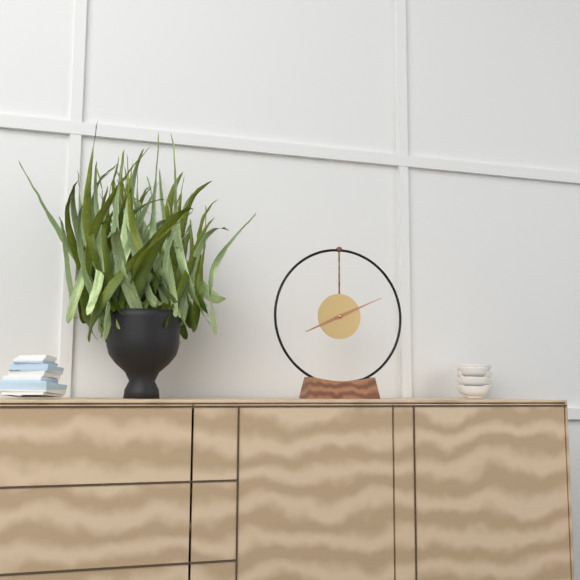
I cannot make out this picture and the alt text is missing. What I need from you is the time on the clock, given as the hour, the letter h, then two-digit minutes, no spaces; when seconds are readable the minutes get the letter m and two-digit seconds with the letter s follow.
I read 8h11
